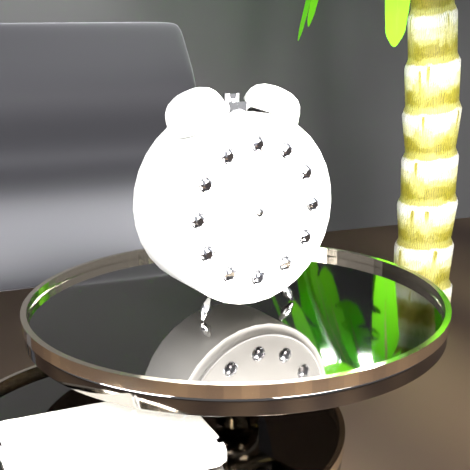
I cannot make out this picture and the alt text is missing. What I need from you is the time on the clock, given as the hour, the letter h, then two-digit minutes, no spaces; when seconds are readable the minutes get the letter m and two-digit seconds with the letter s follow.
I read 12h39m38s
